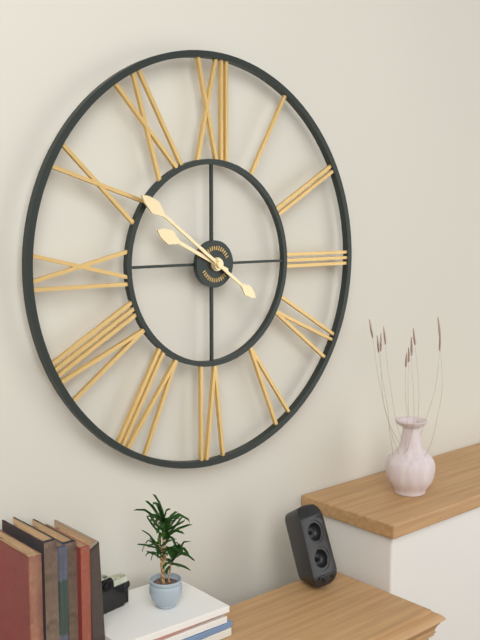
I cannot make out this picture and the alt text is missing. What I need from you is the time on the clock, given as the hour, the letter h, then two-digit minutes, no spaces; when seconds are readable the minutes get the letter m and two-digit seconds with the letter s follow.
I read 9h51
